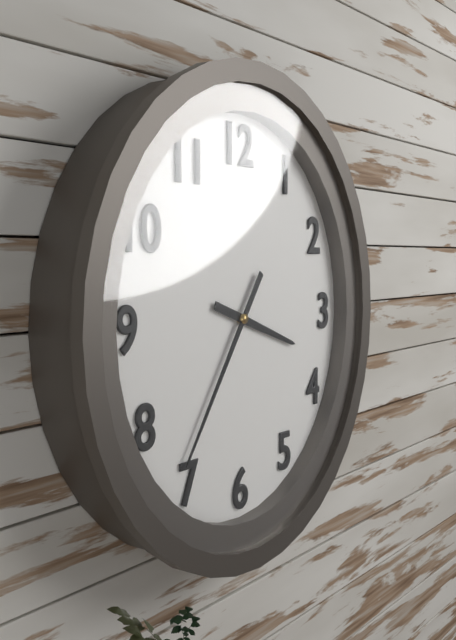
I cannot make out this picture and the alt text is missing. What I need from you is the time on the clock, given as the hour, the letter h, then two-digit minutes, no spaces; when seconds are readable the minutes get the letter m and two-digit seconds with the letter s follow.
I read 3h36
